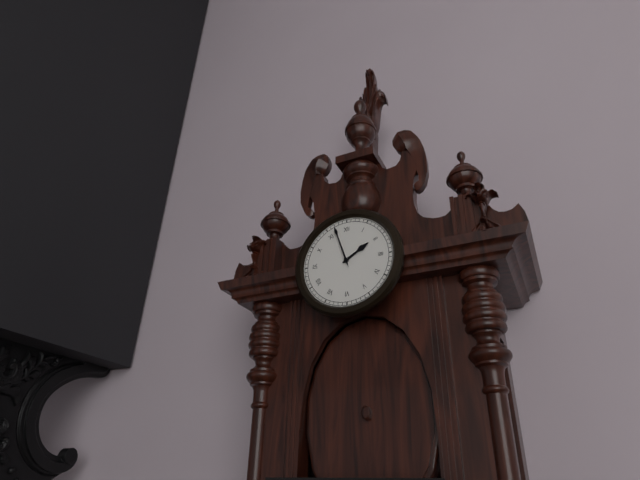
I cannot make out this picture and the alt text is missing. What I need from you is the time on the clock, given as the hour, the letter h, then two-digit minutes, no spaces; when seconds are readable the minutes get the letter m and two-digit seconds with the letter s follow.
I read 1h57
